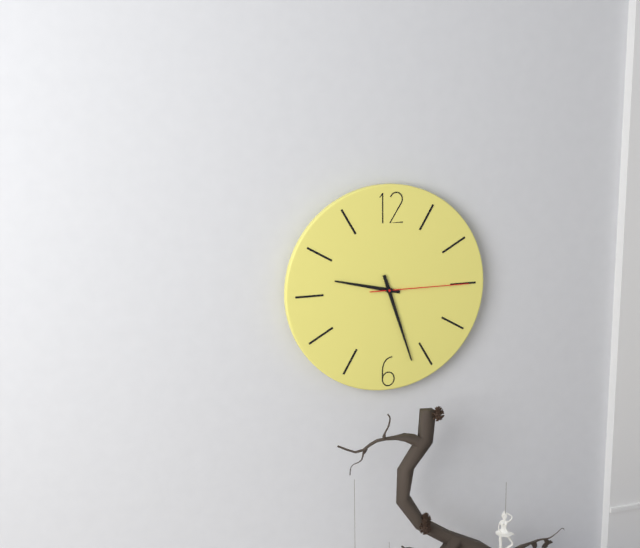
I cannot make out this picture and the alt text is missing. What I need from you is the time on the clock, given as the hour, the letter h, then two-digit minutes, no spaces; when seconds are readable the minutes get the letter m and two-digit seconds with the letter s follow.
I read 9h27m15s
